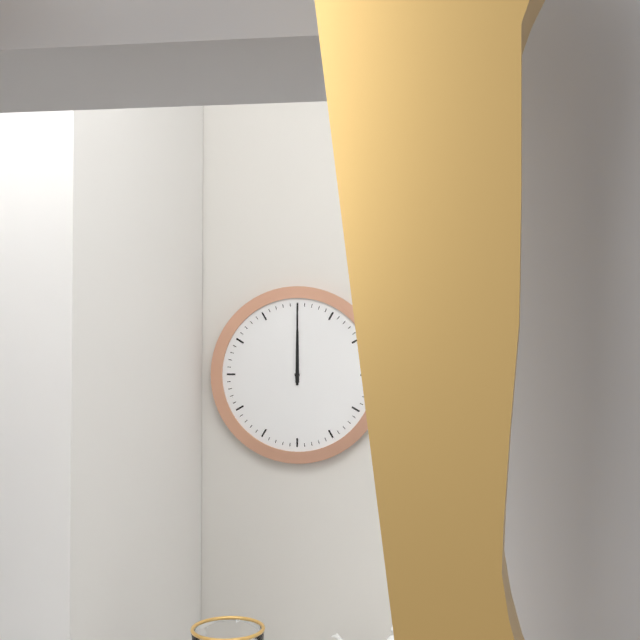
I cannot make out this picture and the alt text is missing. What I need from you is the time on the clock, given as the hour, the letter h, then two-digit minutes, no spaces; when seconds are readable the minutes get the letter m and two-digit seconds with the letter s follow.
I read 12h00
